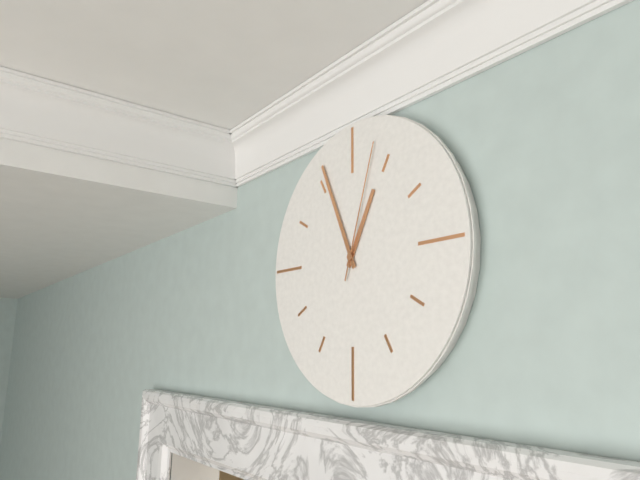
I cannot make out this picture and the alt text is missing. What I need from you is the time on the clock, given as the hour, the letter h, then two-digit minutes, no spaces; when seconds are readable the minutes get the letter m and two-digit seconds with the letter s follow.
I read 12h56m03s
